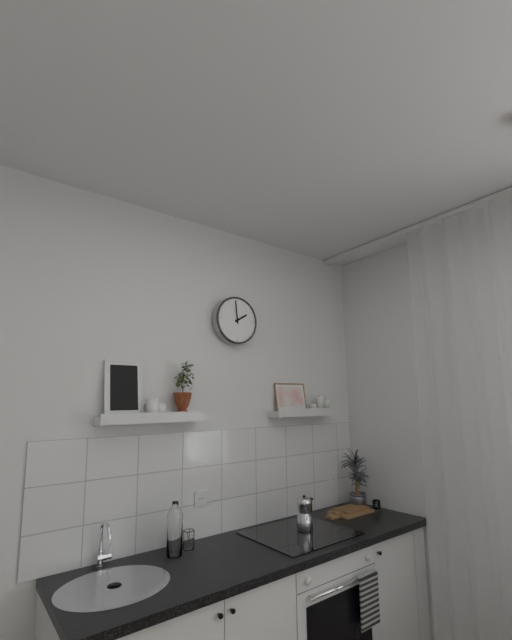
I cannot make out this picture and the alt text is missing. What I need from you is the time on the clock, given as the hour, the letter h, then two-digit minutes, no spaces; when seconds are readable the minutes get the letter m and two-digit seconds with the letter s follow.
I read 1h59
